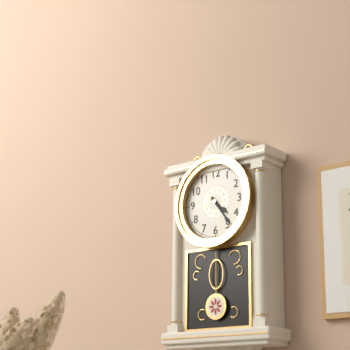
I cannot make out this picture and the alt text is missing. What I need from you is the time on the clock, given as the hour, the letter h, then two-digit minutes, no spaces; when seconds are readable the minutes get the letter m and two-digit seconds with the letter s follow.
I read 4h24
